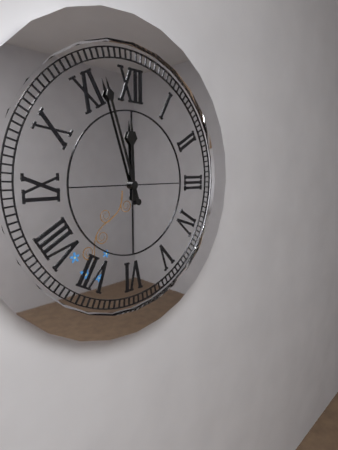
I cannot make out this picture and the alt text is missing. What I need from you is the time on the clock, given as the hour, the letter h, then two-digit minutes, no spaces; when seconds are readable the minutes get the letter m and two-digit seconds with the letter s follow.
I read 11h57
